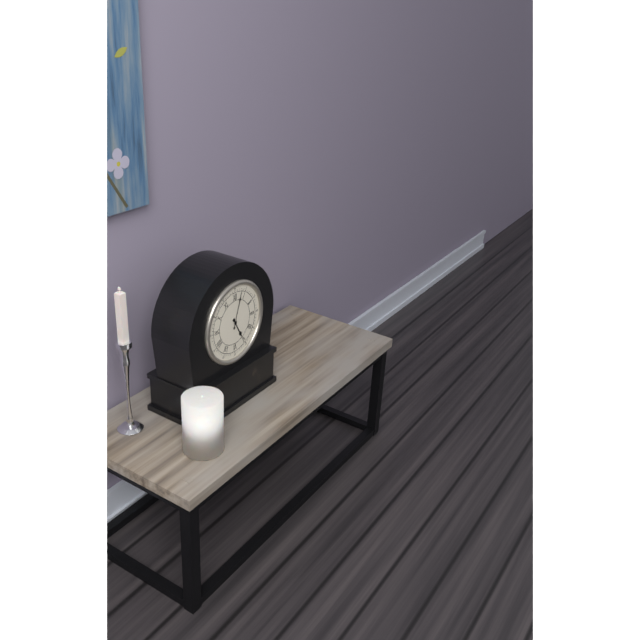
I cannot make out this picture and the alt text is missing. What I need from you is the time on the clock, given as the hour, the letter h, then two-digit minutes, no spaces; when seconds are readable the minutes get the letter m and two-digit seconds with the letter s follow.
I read 5h03
